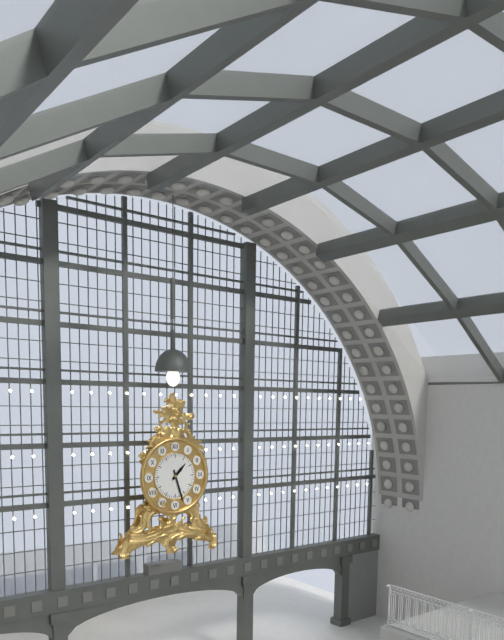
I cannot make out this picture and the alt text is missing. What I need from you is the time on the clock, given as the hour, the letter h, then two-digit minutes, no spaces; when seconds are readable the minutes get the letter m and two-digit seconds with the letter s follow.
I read 1h27
